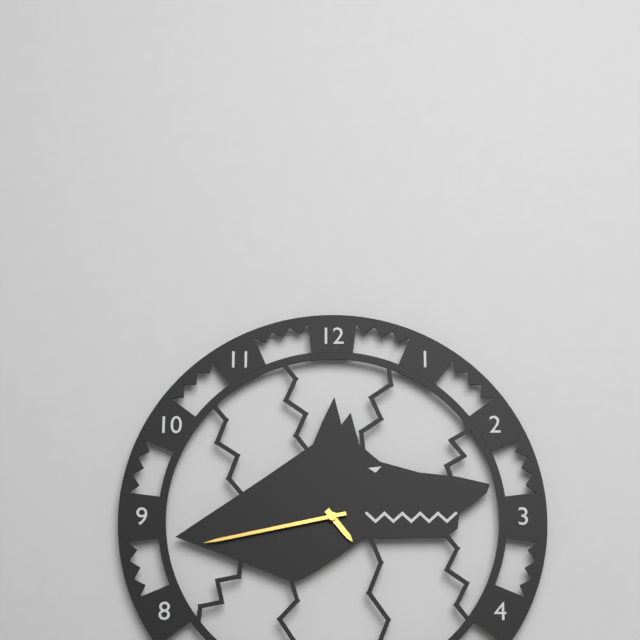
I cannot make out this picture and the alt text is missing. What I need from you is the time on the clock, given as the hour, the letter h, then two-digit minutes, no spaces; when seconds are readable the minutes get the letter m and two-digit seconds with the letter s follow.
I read 4h43
